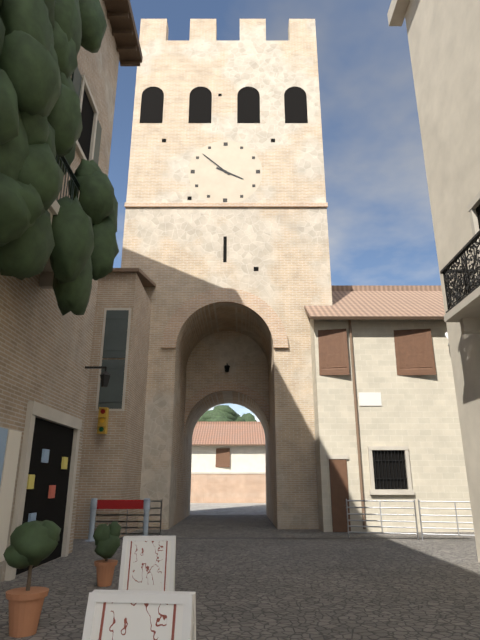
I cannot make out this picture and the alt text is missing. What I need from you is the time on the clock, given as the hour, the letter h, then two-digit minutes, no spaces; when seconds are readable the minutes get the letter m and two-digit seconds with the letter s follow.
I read 3h52
